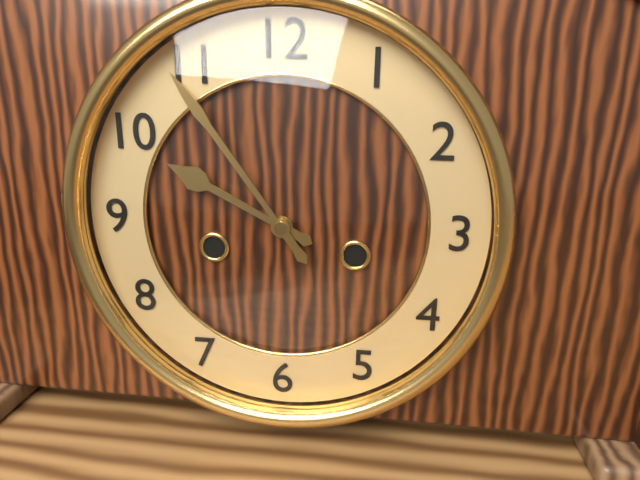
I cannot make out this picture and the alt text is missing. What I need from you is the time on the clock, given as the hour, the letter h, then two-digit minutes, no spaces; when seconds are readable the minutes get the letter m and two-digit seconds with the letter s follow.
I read 9h54
